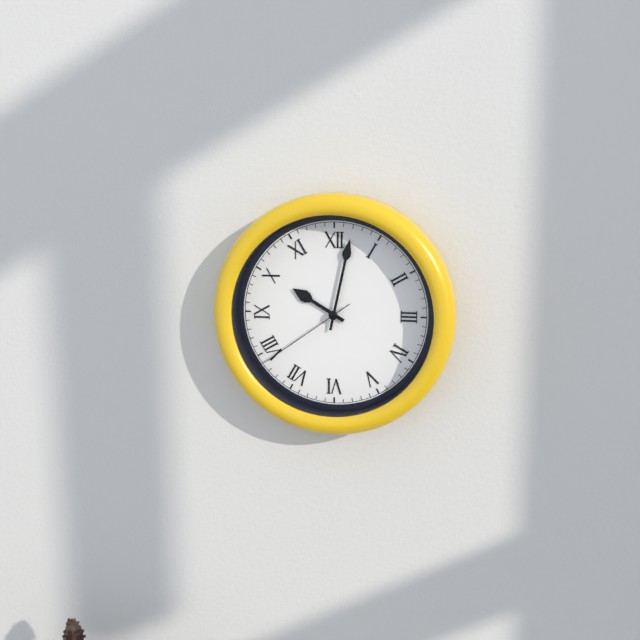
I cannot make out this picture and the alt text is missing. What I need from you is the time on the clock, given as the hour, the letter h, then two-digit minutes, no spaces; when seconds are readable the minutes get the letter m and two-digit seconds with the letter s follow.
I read 10h02m39s
